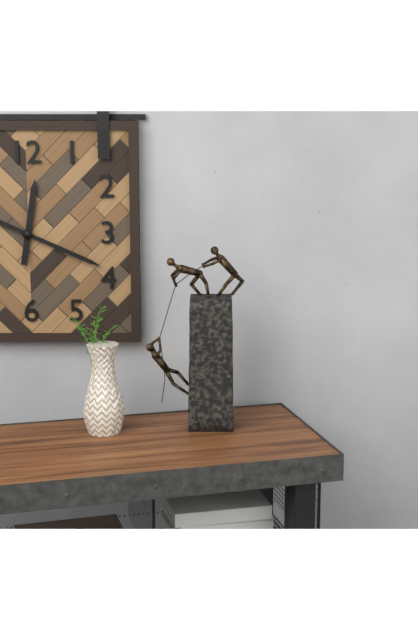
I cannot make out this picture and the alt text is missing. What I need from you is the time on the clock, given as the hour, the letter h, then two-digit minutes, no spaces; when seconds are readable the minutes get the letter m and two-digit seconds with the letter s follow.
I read 12h19
